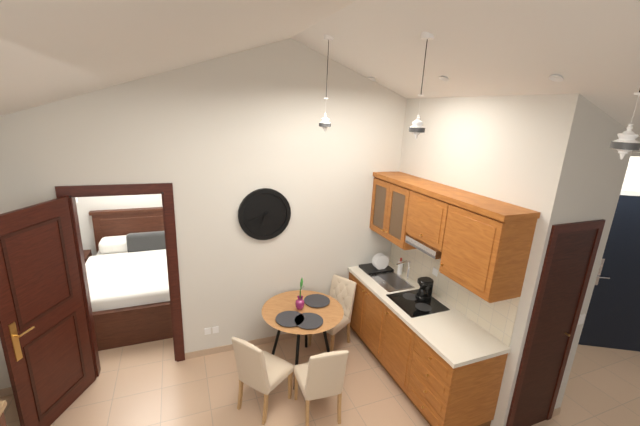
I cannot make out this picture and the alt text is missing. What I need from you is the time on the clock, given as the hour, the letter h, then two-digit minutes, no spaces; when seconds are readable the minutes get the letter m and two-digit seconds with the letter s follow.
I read 6h42
